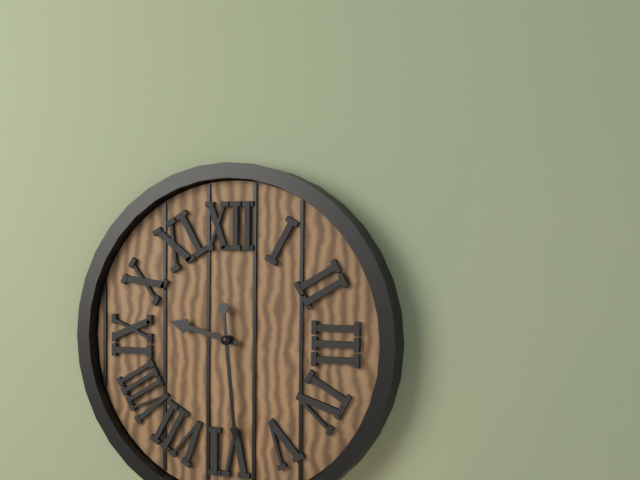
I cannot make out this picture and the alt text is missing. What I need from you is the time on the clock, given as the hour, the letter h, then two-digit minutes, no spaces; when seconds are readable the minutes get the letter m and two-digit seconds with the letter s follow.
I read 9h29
